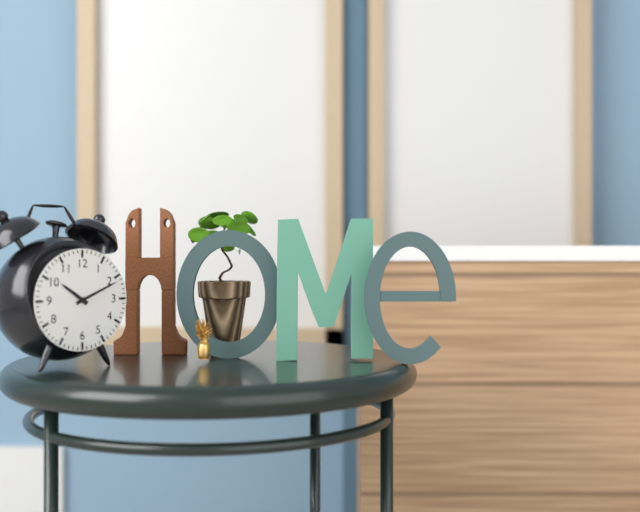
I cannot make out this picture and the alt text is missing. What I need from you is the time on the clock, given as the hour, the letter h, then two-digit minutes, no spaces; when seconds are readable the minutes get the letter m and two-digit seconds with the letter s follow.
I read 10h11
